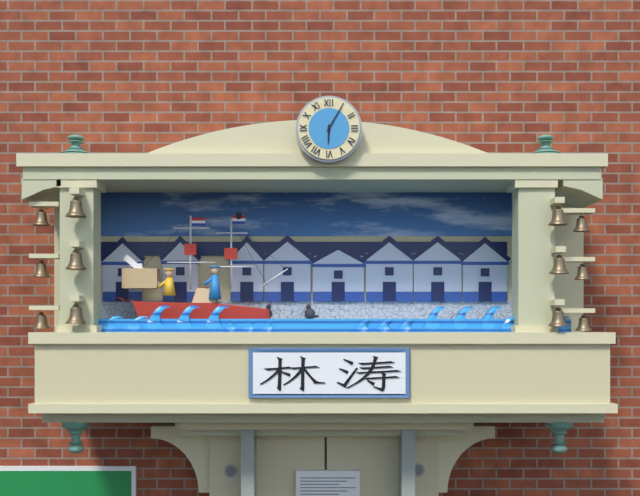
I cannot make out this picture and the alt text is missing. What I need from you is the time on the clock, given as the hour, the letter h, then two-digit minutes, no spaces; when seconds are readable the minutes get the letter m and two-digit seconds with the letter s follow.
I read 6h05
